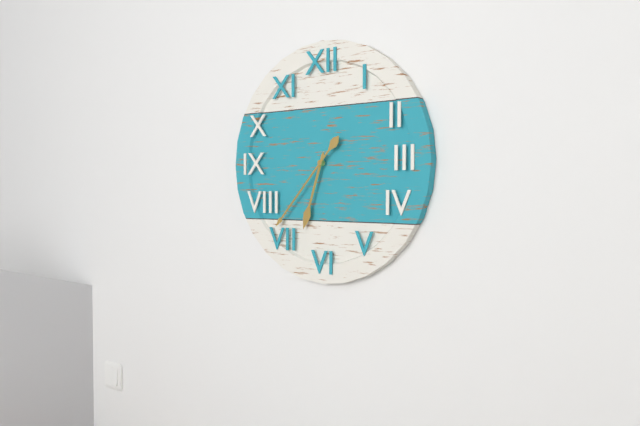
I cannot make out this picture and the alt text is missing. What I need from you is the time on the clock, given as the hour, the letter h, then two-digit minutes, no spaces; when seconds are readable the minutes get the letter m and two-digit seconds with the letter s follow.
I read 6h37
